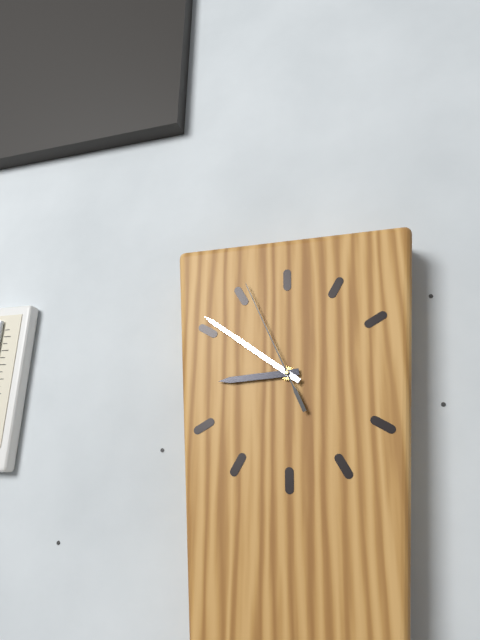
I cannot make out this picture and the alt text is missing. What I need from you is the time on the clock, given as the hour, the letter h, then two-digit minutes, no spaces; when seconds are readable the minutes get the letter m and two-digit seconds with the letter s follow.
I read 8h51m56s
